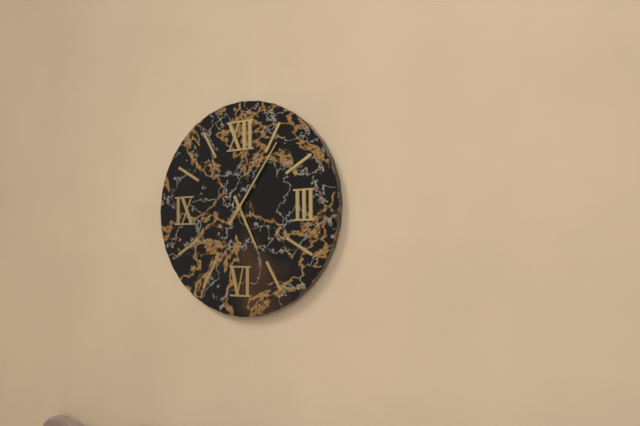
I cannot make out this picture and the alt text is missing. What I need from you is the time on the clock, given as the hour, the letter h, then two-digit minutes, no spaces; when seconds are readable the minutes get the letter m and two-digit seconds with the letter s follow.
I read 5h06
